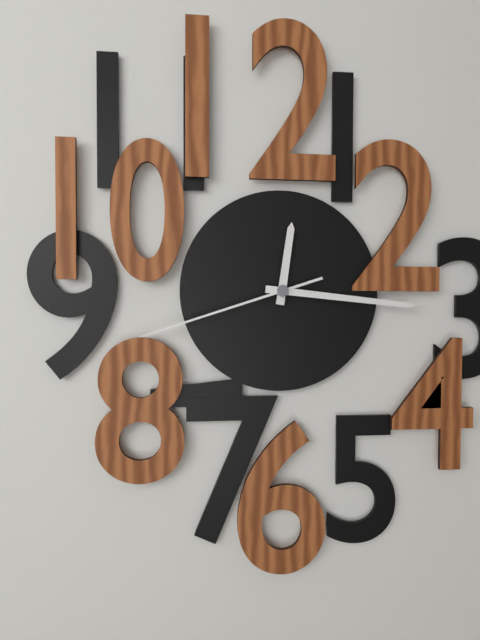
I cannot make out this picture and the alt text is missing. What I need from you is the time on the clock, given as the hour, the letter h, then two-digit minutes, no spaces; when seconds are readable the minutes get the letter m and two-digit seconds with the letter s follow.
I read 12h16m42s
